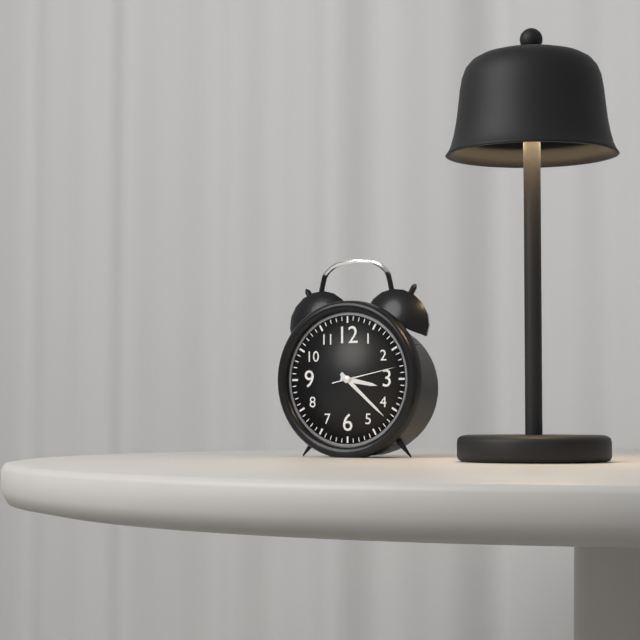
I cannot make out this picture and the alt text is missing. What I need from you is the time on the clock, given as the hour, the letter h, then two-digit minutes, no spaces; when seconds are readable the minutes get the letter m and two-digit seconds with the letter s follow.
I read 3h22m13s
